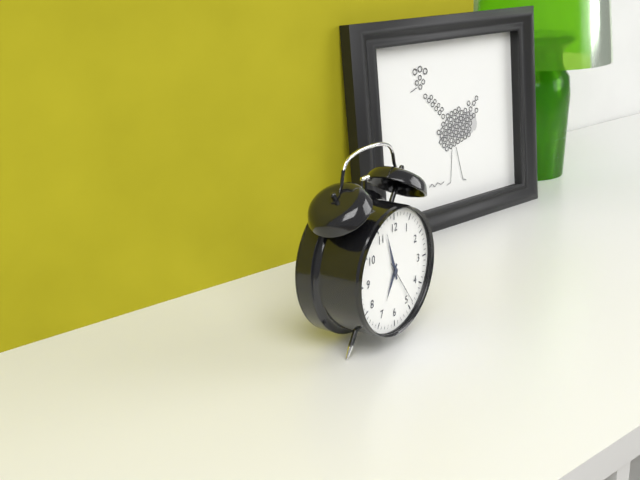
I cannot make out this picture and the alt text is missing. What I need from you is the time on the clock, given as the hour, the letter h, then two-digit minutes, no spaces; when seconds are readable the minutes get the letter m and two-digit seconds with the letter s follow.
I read 6h57
